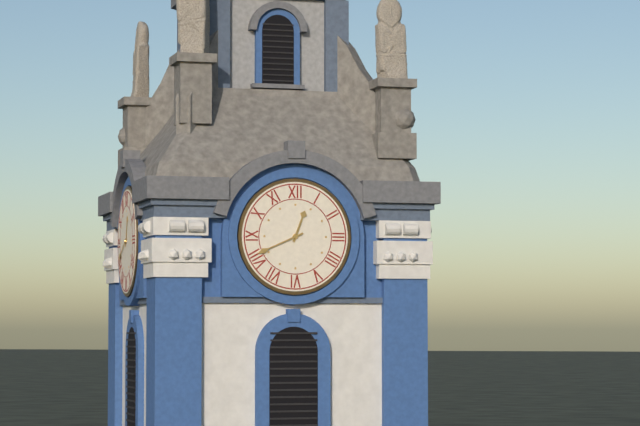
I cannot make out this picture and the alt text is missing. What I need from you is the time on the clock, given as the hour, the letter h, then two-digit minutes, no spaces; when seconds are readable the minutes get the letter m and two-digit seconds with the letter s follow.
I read 12h41
